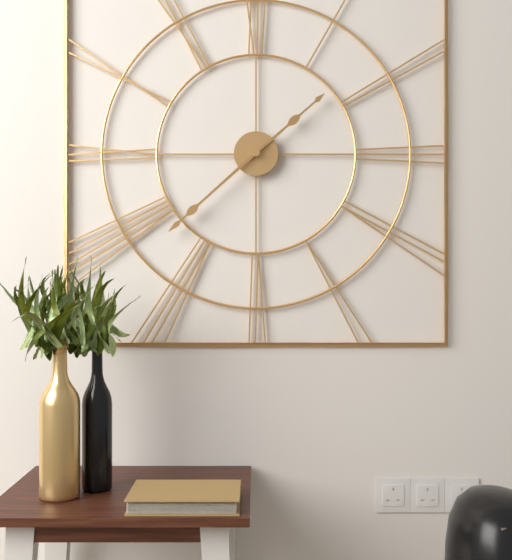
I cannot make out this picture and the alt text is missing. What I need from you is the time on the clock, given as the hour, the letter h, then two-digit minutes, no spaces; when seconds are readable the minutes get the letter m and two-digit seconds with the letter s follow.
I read 1h38
